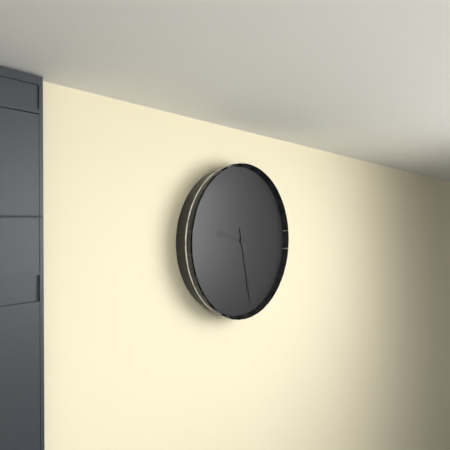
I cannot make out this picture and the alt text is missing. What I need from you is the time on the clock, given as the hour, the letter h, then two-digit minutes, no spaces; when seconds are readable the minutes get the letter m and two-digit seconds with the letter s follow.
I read 9h28
